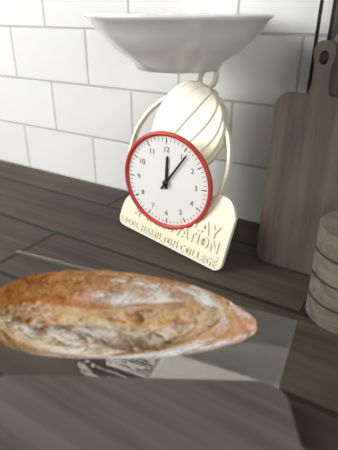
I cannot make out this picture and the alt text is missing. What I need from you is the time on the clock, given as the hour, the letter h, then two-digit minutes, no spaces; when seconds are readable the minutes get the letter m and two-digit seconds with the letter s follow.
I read 12h06
